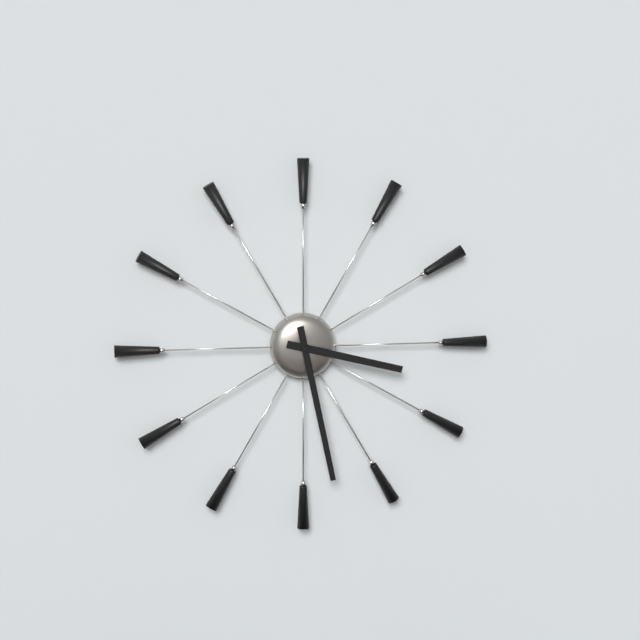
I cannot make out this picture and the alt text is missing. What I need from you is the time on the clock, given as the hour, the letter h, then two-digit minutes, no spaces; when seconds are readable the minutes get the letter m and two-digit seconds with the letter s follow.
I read 3h28
